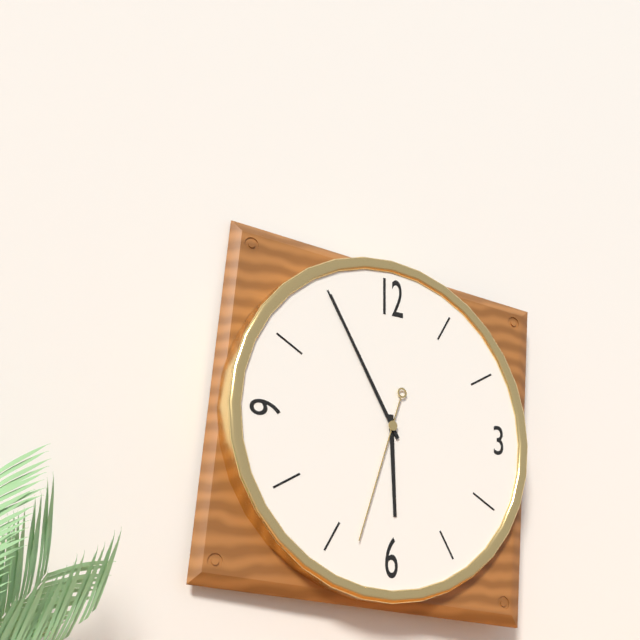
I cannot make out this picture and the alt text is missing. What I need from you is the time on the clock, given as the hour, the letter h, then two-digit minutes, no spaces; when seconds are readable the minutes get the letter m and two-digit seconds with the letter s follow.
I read 5h55m33s
